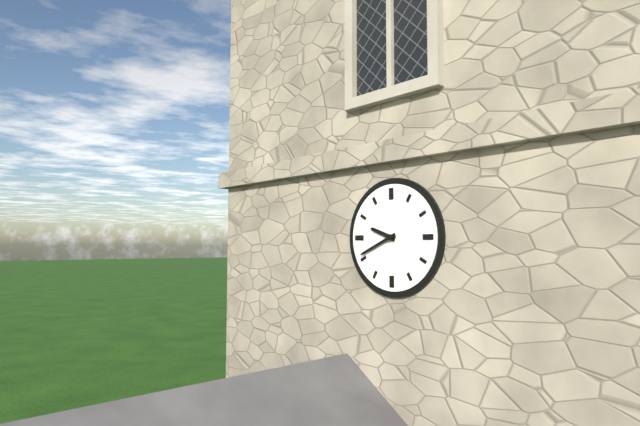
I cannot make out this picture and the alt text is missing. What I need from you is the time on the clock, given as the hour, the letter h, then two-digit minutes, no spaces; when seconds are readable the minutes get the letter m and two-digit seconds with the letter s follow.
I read 9h41
